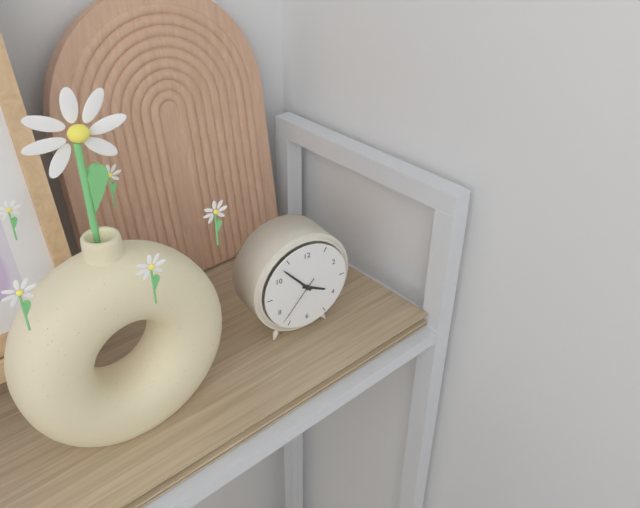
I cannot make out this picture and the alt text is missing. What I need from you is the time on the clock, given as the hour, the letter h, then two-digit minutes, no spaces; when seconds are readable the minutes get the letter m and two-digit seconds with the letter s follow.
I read 3h53m37s
